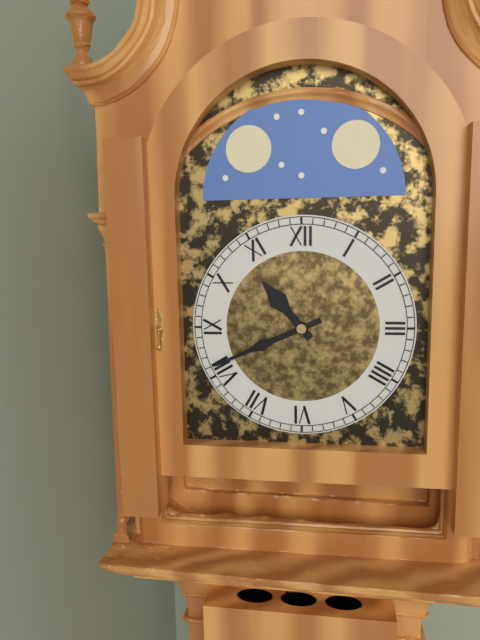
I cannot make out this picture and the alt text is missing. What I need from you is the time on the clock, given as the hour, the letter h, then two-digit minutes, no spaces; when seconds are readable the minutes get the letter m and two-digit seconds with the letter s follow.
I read 10h41
